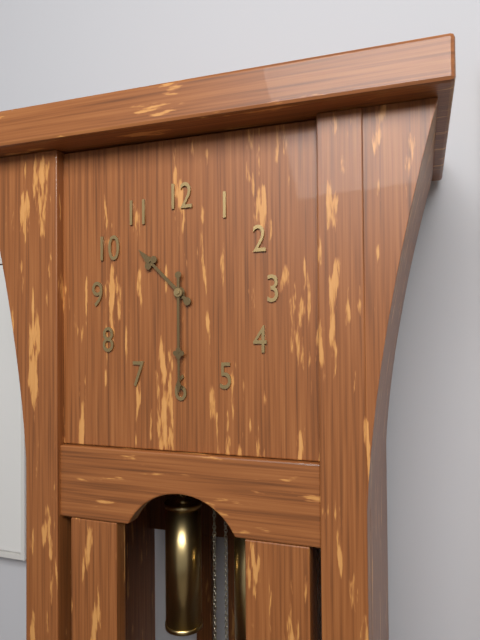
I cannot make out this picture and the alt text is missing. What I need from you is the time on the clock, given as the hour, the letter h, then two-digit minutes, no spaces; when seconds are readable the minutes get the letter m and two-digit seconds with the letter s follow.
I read 10h30
